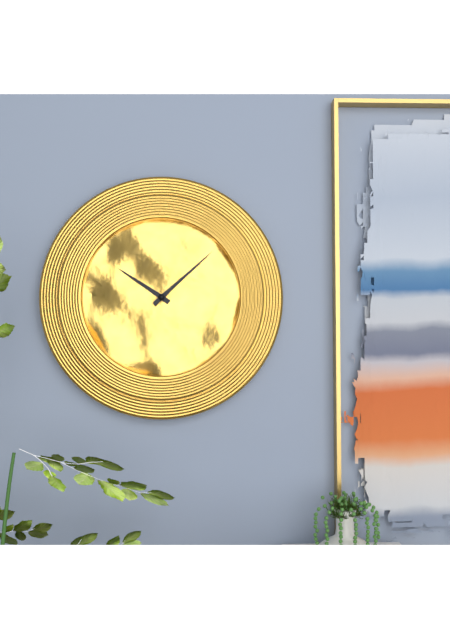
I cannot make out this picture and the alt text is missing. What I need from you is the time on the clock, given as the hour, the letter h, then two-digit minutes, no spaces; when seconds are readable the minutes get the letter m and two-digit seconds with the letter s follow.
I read 10h08
